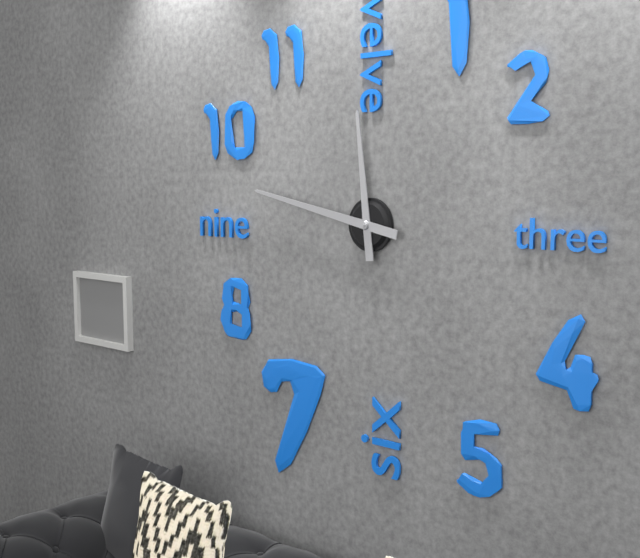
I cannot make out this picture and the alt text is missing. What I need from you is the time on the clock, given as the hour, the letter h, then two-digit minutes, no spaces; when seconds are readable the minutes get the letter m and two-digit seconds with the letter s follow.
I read 11h47
